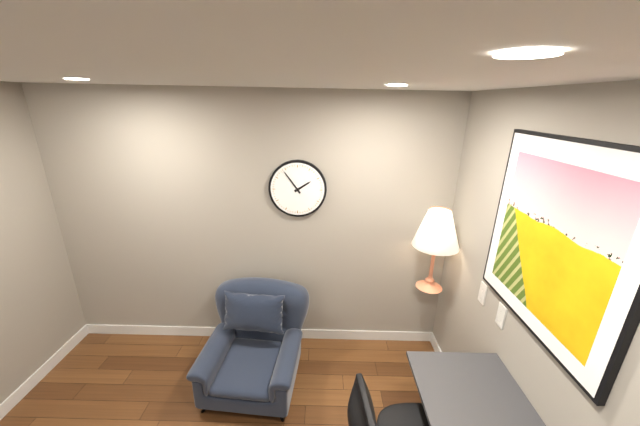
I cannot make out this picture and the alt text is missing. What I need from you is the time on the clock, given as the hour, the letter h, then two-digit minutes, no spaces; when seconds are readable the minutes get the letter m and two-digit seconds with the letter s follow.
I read 1h54
